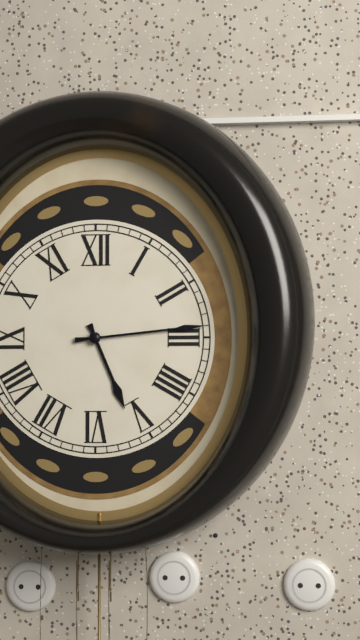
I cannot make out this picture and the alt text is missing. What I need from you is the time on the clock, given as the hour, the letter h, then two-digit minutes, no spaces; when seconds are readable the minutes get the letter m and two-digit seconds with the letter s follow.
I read 5h14
